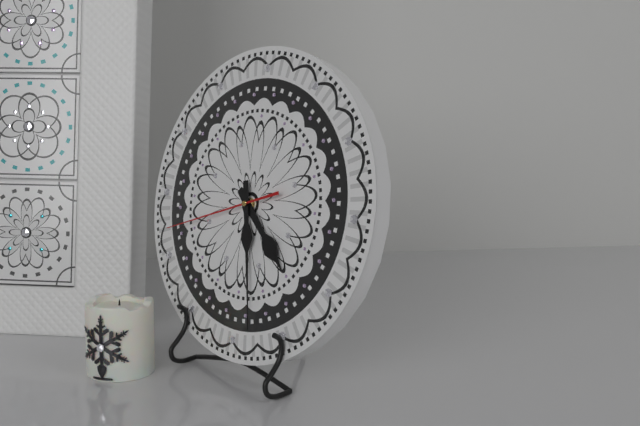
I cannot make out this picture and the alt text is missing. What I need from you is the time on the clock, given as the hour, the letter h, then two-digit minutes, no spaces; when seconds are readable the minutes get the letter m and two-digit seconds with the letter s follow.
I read 4h28m42s
